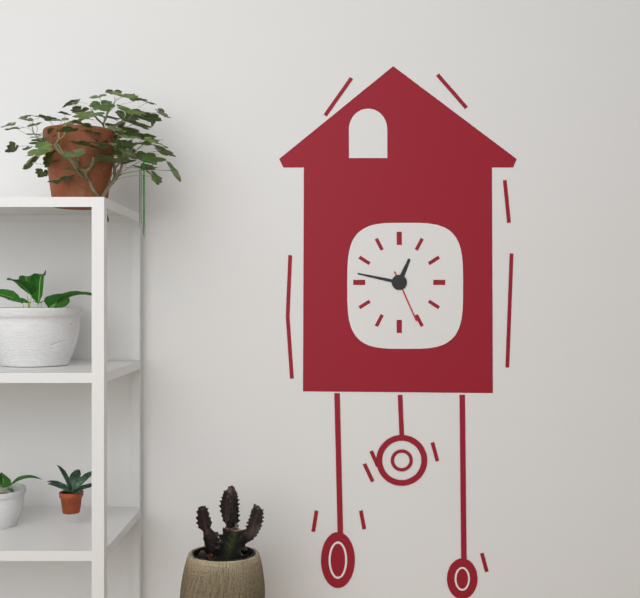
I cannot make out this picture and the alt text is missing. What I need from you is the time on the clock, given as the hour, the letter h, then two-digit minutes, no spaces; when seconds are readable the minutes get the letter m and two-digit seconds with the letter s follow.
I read 12h47m26s
